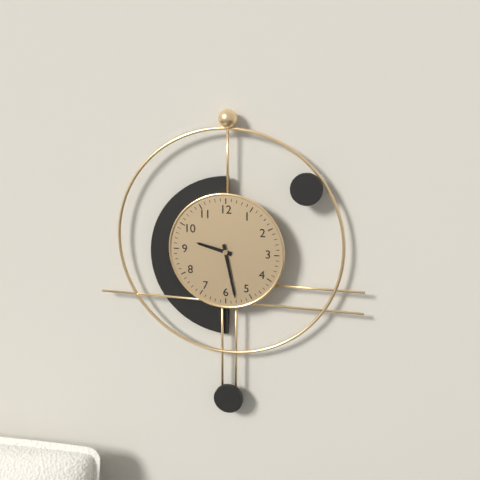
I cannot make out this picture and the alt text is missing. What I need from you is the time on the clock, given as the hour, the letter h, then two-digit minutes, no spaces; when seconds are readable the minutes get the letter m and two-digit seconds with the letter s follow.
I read 9h28
